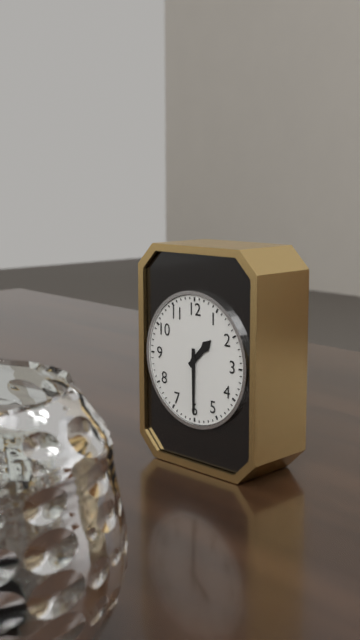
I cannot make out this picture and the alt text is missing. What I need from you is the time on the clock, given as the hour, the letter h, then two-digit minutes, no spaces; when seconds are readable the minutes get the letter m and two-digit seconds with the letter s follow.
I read 1h30
